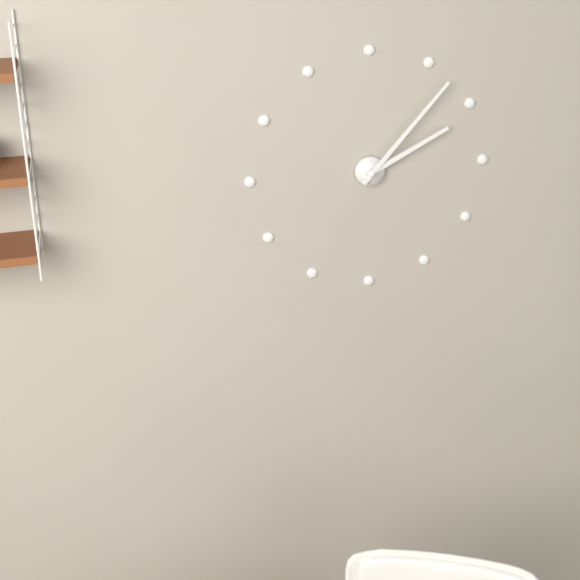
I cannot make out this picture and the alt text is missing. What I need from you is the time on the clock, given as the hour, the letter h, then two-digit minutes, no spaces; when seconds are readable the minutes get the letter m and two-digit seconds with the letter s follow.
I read 2h07
